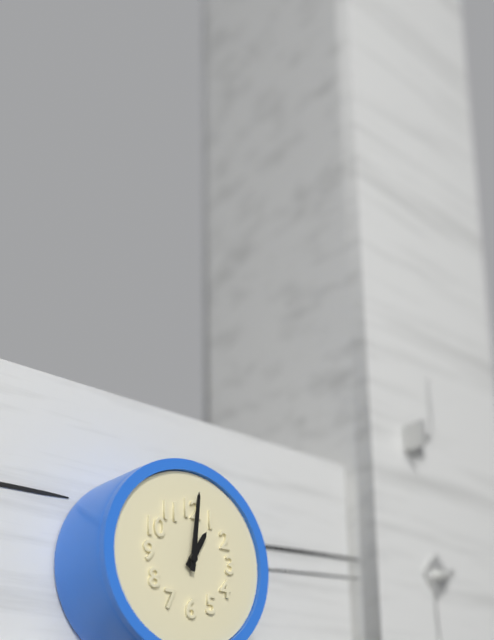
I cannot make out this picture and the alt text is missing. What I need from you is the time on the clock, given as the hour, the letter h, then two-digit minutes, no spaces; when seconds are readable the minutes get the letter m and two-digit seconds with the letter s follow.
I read 1h01
